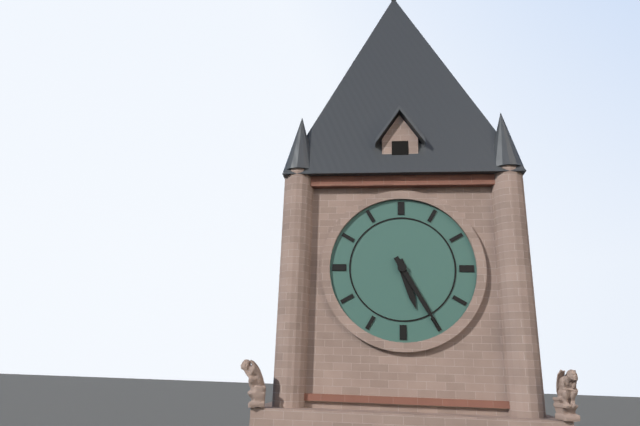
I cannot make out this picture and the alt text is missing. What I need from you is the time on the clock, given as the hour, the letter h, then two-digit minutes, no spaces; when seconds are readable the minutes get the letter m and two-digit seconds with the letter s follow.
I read 5h25
